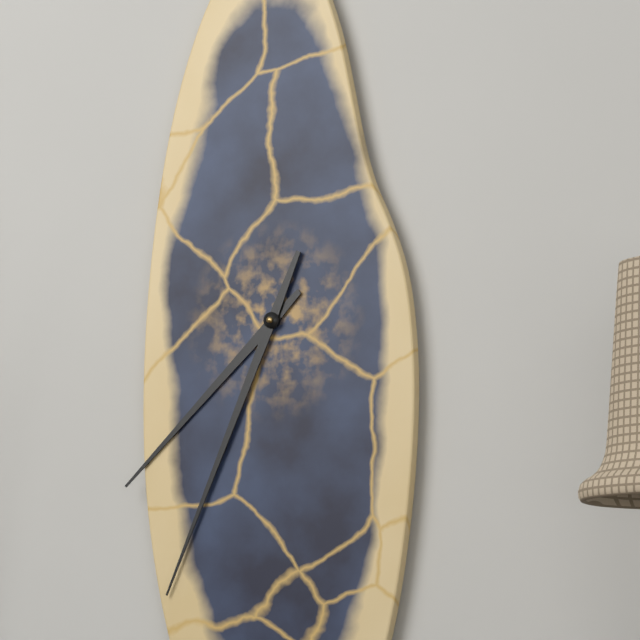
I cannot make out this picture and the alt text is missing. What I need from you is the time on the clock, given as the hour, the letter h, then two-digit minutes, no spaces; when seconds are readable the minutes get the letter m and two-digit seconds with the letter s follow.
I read 7h34
